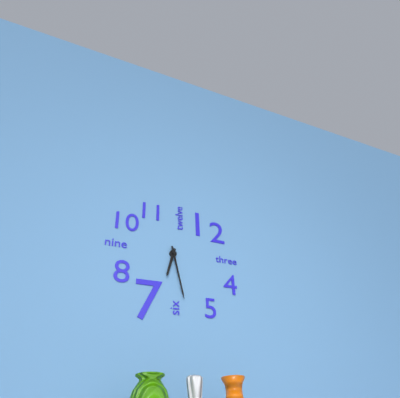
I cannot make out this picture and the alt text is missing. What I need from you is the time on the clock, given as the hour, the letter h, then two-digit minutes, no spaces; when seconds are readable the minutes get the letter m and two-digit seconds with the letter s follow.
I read 6h28
